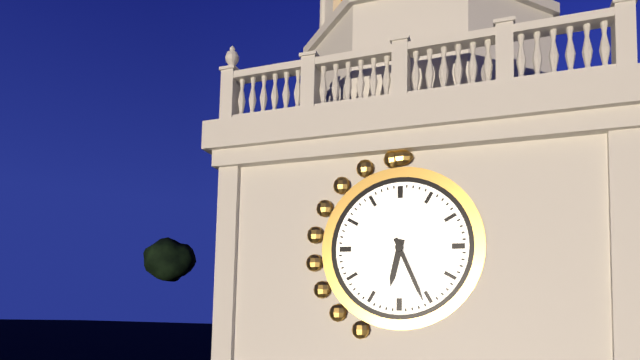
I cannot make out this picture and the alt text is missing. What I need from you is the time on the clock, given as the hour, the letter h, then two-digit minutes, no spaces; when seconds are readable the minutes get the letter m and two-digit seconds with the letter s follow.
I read 6h26
